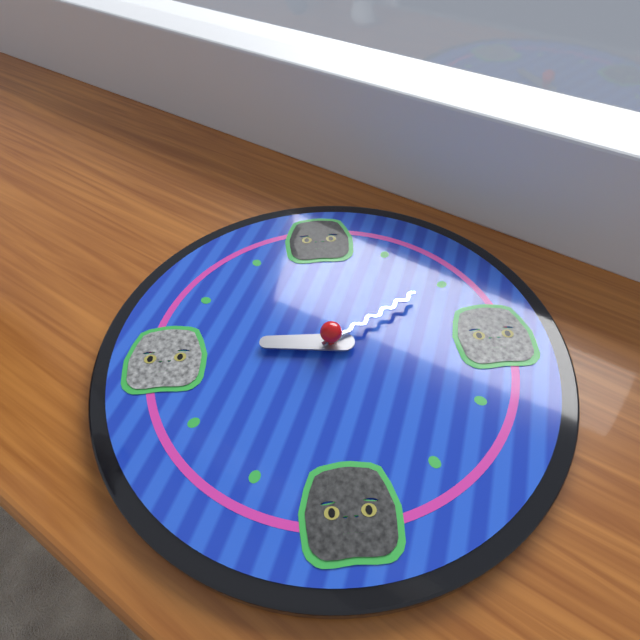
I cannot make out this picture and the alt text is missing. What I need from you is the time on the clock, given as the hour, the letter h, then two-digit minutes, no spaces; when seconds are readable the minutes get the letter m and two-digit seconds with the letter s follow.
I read 9h10
